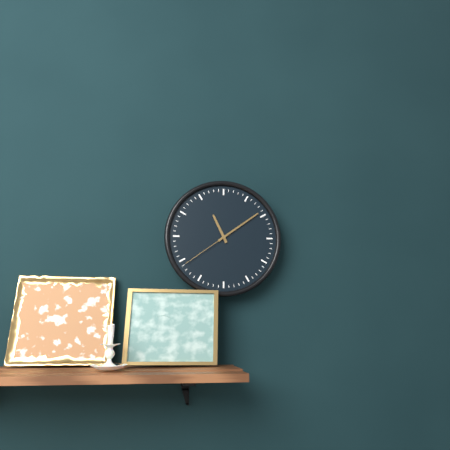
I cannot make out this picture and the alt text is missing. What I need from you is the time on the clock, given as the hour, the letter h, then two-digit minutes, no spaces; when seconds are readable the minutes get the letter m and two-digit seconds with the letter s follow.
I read 11h09m39s
